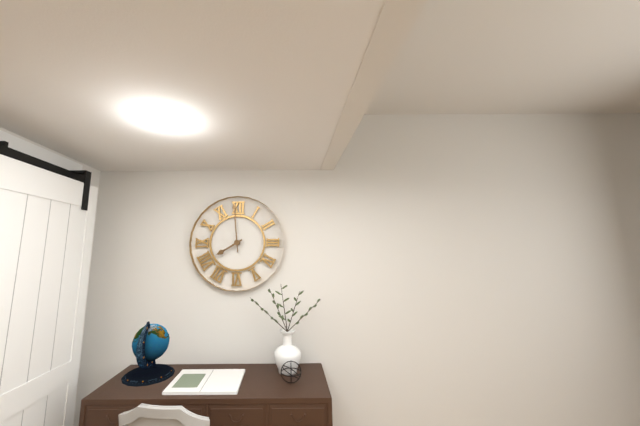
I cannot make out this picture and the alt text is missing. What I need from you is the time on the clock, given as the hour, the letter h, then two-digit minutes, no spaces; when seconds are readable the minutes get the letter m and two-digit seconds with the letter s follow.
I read 7h59
